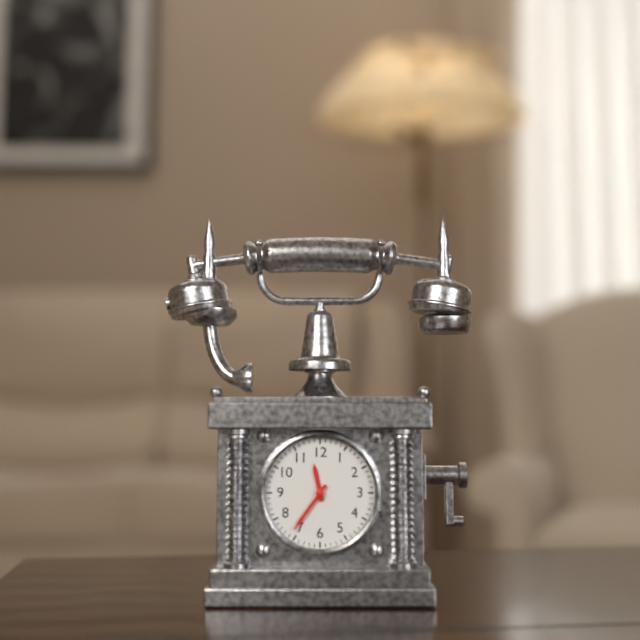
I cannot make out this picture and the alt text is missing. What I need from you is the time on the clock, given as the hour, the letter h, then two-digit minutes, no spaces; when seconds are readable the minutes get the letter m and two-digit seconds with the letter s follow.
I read 11h36
